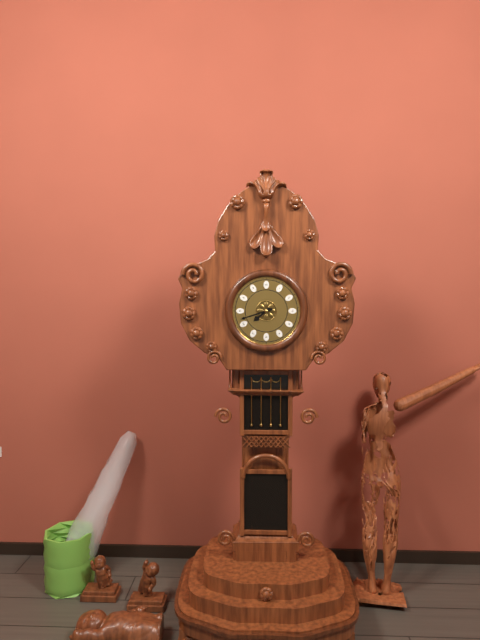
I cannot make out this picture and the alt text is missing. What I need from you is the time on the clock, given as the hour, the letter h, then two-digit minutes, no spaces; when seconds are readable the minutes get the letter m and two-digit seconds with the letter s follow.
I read 7h42
